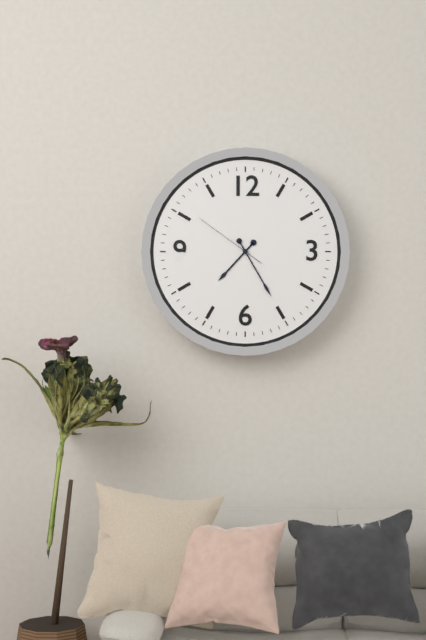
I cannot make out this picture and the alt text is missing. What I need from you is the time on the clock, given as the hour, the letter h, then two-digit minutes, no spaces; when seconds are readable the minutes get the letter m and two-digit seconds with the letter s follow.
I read 7h25m51s
